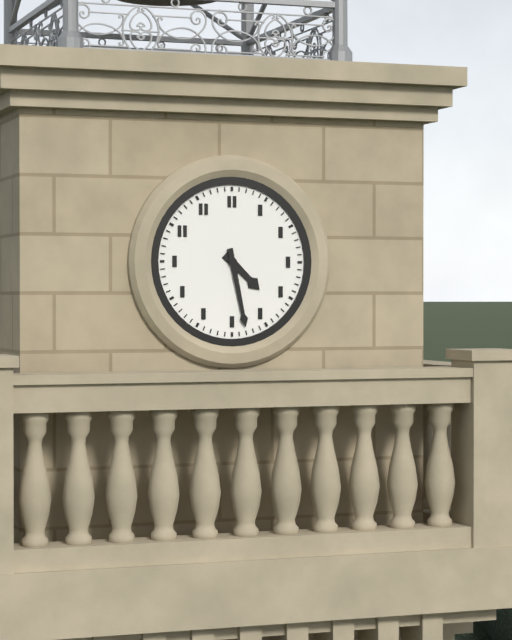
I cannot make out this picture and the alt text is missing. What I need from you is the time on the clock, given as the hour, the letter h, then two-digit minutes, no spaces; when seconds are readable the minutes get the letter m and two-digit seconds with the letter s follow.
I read 4h28
